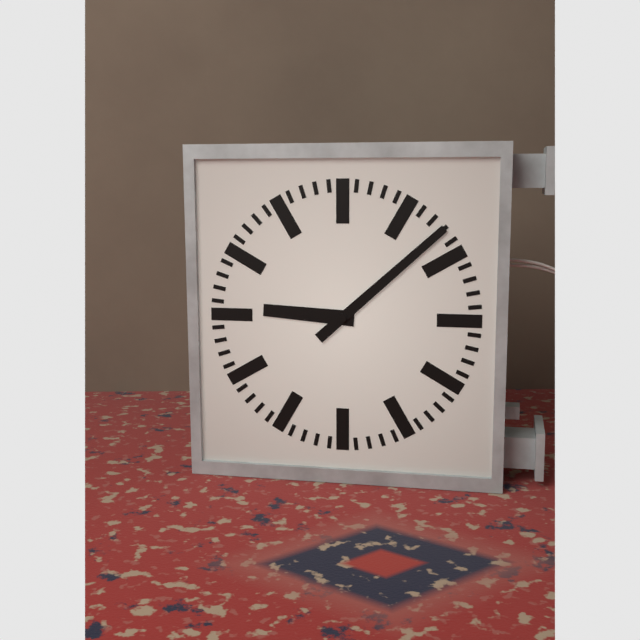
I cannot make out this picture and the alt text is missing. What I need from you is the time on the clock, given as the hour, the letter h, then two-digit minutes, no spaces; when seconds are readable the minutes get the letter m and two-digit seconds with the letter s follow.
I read 9h08
